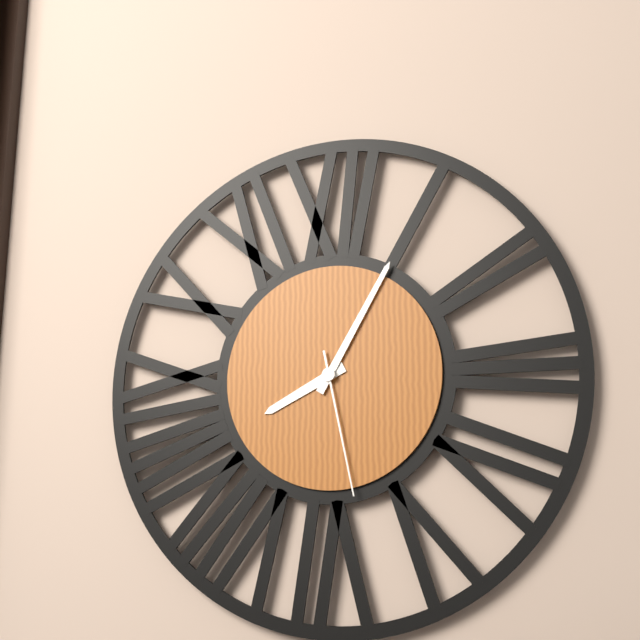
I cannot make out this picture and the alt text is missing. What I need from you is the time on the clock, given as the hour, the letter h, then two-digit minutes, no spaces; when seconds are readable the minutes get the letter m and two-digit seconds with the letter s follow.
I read 8h05m28s
